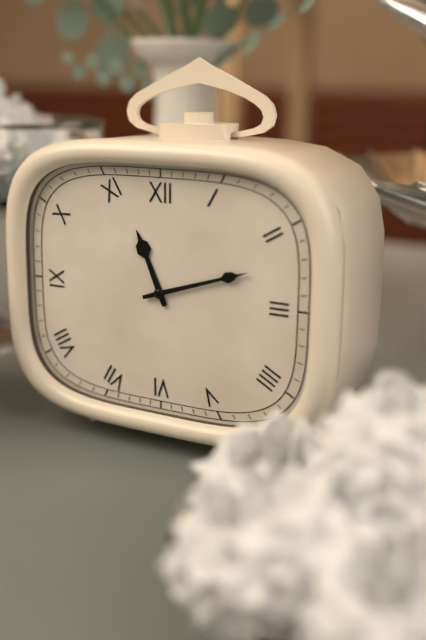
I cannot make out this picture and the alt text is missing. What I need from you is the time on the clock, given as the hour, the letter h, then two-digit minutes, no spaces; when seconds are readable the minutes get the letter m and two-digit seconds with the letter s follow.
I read 11h12
